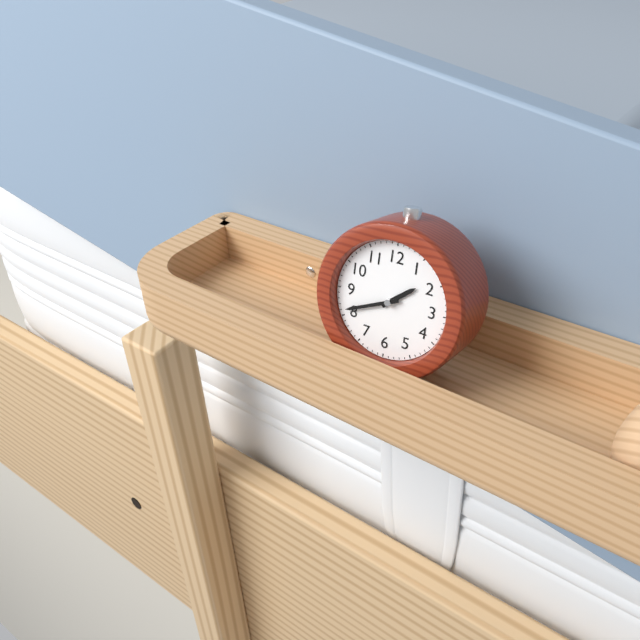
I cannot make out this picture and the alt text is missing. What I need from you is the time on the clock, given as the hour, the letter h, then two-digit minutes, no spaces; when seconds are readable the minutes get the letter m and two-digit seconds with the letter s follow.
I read 1h41
